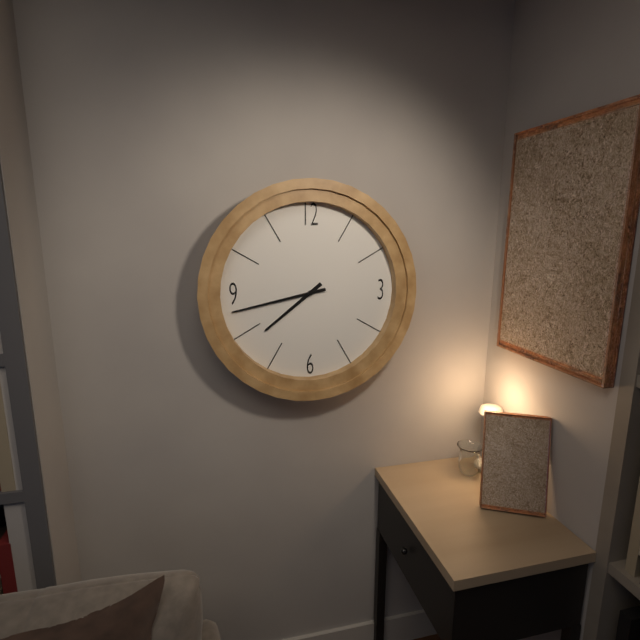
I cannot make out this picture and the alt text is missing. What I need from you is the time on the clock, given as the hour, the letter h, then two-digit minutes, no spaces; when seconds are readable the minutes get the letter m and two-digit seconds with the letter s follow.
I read 7h43
